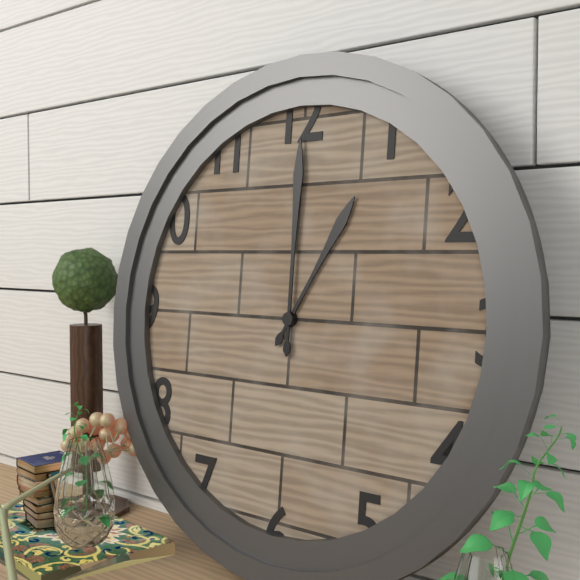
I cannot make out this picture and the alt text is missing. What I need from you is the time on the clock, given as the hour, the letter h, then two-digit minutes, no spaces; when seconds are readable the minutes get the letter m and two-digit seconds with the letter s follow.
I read 1h00
